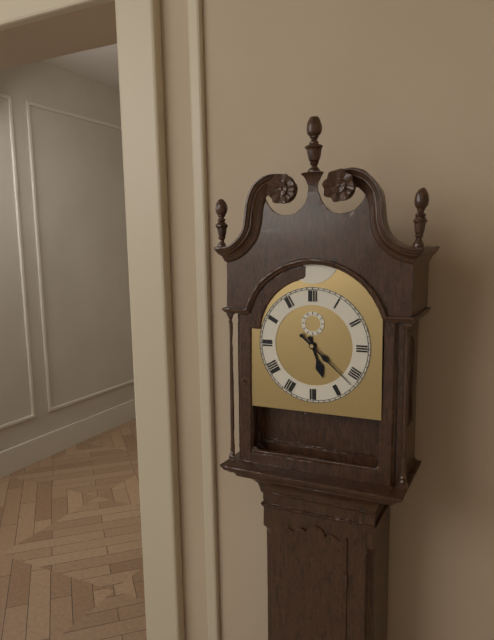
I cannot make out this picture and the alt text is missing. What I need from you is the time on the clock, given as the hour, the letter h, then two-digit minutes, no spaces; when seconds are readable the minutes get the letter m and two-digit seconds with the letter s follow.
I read 5h22
